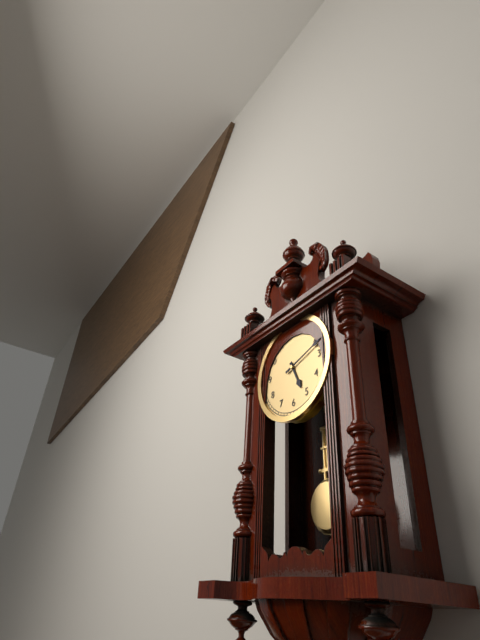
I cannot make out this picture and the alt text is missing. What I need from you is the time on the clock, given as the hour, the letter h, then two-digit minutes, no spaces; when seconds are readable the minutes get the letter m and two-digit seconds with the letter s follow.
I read 5h12
